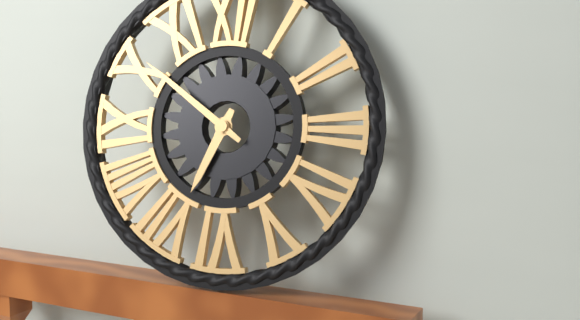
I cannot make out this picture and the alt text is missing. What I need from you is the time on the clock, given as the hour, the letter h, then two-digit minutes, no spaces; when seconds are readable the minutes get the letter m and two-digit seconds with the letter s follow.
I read 6h51
